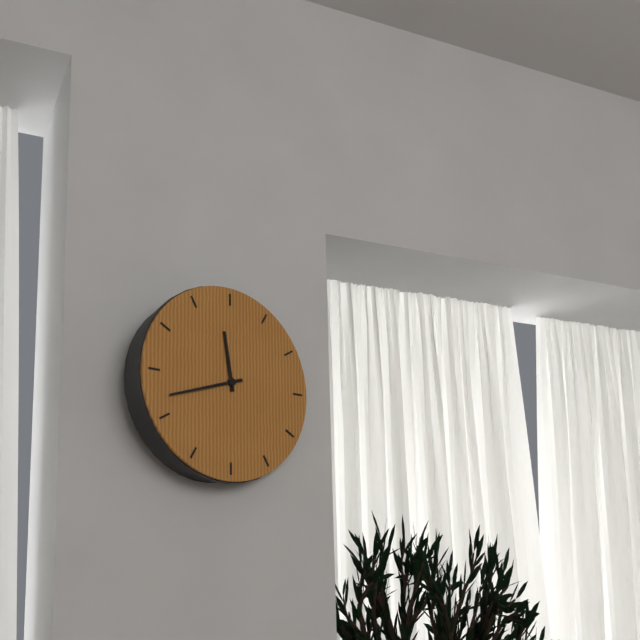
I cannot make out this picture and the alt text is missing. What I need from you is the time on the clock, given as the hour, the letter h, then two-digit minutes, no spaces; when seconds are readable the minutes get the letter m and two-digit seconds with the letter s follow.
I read 11h42
